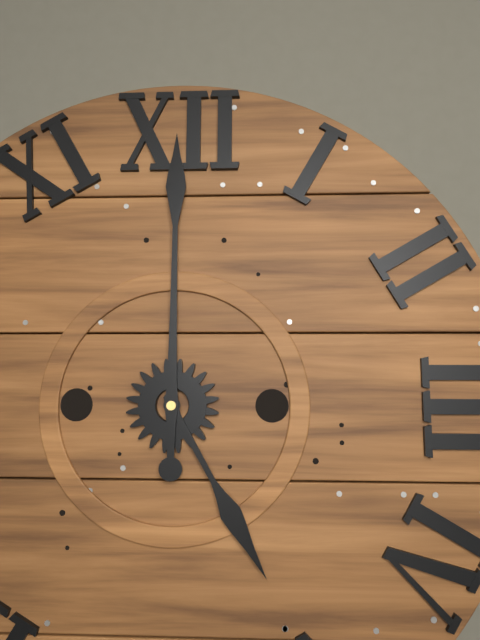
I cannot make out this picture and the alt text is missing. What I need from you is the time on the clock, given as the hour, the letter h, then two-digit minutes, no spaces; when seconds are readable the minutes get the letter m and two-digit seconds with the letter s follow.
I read 5h00
